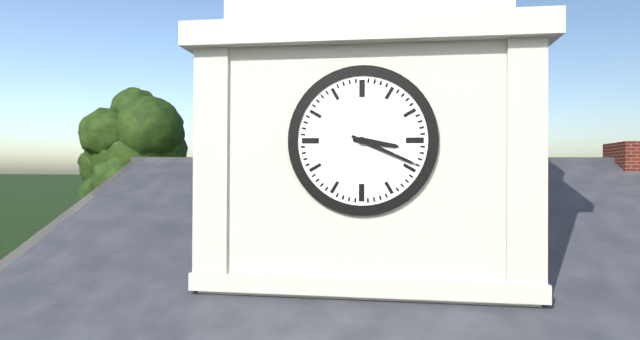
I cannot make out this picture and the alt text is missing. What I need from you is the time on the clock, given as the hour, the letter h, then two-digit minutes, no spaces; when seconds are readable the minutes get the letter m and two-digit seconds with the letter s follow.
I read 3h19
